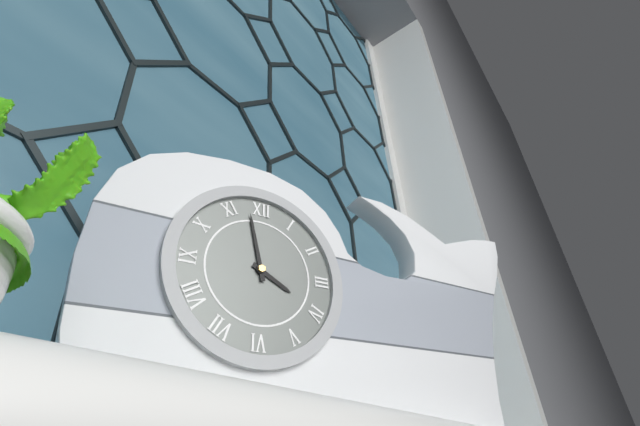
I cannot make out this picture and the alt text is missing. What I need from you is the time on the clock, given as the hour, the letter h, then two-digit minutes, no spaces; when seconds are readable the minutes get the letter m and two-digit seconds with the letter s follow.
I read 3h58
